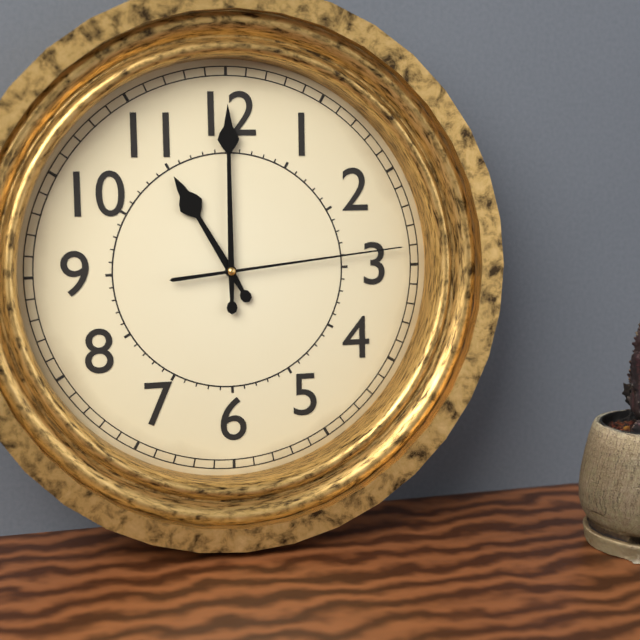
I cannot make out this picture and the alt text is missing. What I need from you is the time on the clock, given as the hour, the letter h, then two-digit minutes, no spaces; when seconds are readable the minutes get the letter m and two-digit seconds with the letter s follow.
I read 11h00m14s
